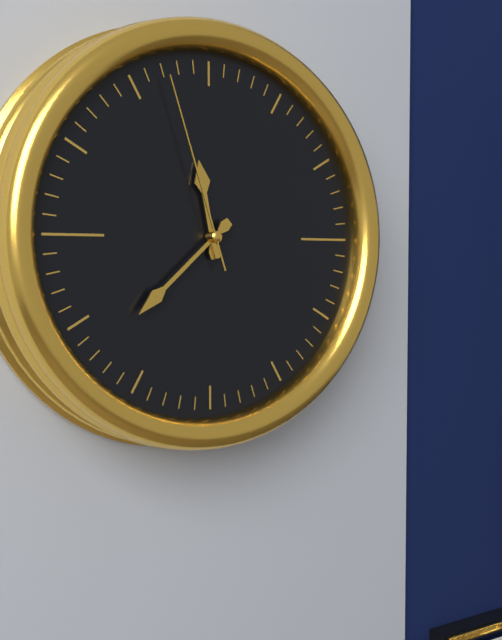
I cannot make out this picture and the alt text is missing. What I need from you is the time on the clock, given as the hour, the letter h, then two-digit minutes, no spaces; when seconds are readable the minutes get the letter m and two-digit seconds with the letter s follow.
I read 11h38m57s
